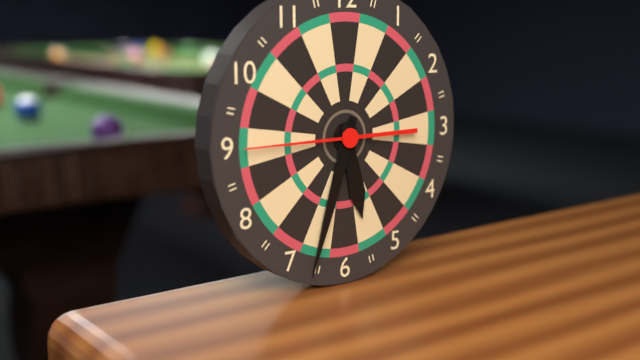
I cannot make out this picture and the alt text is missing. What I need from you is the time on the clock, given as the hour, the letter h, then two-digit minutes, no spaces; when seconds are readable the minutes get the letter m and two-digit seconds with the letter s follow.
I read 5h33m45s
